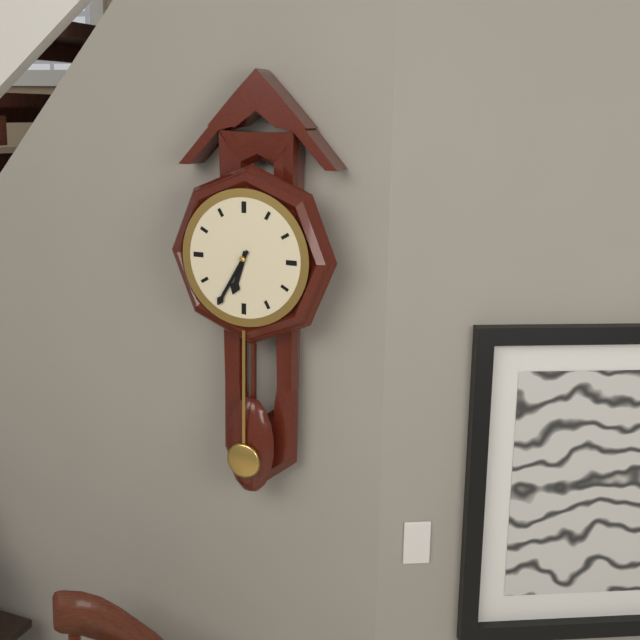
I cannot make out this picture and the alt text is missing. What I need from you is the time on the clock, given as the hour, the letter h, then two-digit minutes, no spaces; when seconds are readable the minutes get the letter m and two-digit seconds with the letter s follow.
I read 6h35
